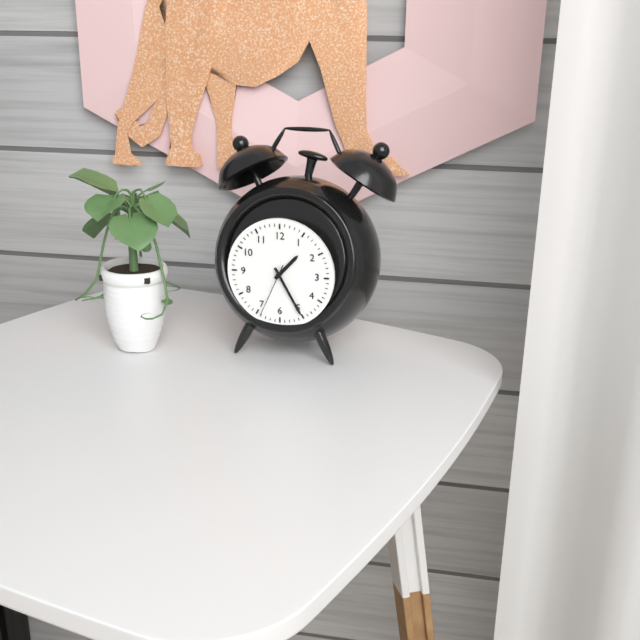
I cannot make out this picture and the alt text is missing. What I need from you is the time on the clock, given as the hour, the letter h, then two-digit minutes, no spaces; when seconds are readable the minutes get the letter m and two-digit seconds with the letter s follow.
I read 1h25m34s
